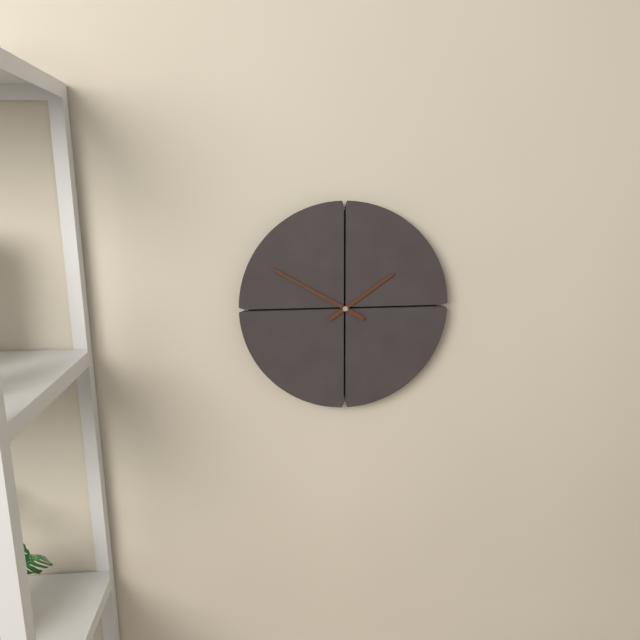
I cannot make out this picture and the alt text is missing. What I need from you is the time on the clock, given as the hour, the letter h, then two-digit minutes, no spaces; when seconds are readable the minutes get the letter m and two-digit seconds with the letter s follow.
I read 1h50
